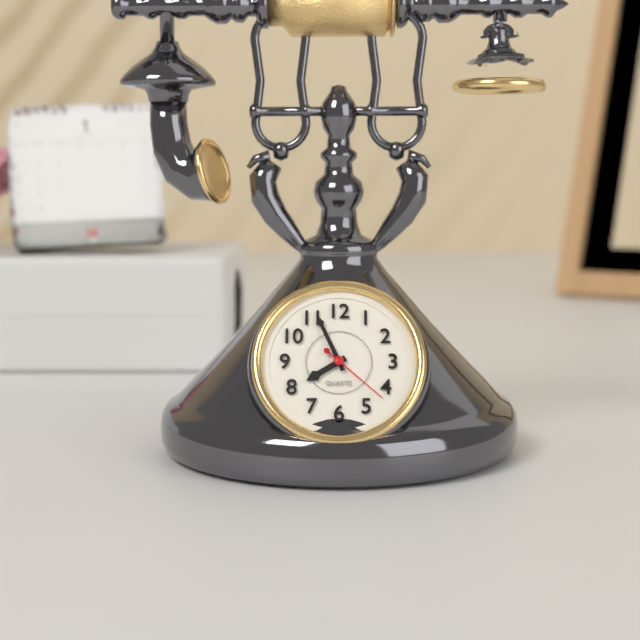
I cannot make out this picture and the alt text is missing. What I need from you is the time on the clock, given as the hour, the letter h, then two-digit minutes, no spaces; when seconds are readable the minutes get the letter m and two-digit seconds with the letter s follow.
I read 7h56m22s
